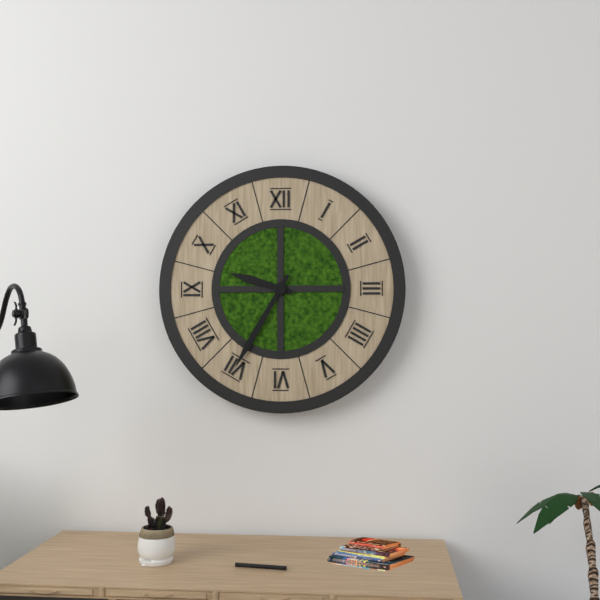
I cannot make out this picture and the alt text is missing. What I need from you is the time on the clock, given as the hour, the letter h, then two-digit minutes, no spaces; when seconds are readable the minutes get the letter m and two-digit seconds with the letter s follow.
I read 9h35
